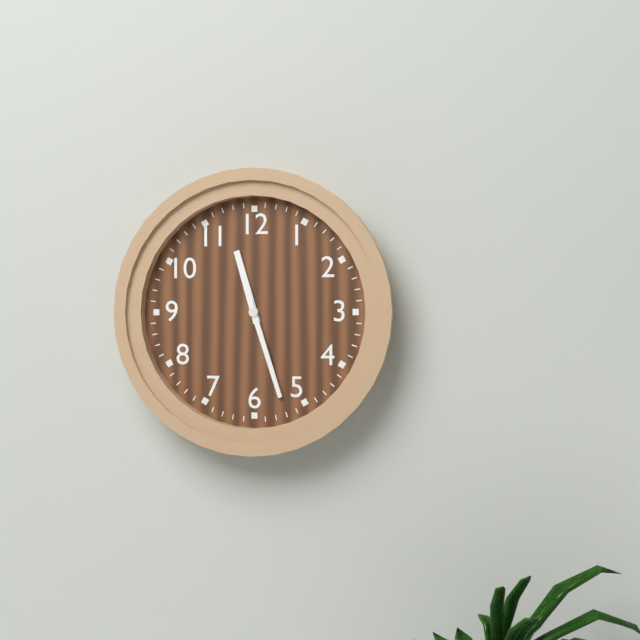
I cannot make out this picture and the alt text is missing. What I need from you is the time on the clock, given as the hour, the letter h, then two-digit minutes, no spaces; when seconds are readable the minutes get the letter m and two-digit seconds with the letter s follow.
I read 11h27
